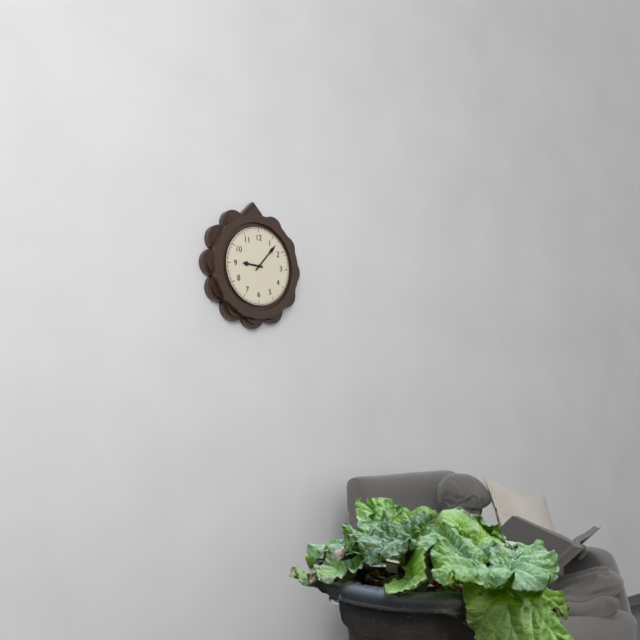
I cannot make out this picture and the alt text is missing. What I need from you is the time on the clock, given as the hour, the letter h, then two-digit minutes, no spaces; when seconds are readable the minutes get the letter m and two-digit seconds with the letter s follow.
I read 9h07
